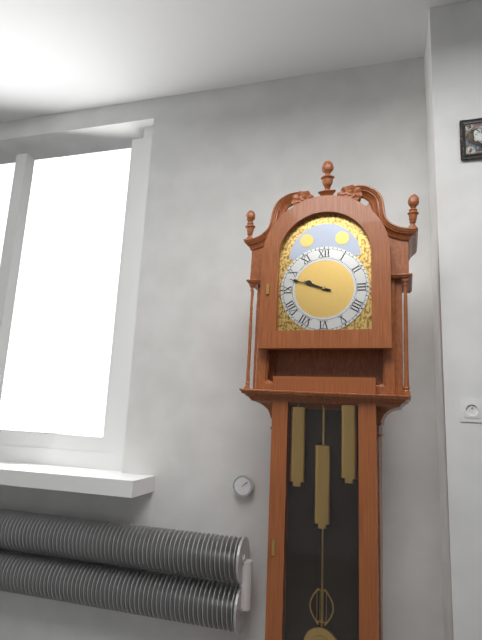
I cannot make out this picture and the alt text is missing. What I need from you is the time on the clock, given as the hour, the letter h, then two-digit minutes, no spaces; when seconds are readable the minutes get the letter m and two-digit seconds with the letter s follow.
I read 9h48
